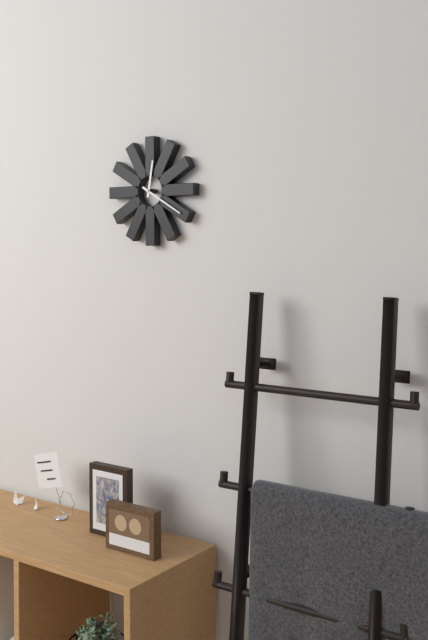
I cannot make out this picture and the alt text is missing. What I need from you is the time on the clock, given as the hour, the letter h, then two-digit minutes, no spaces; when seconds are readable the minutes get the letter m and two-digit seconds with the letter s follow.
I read 12h20
